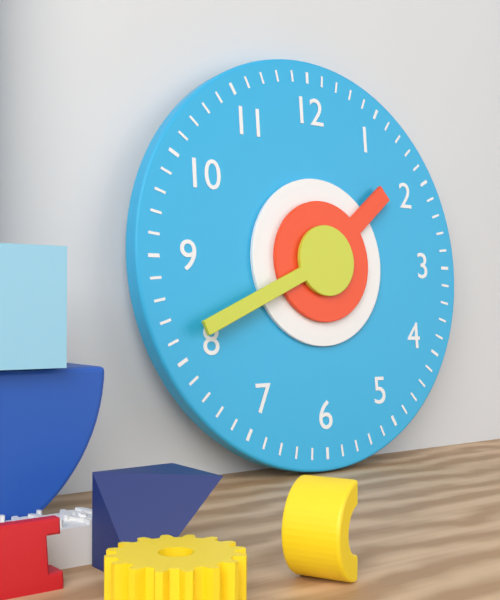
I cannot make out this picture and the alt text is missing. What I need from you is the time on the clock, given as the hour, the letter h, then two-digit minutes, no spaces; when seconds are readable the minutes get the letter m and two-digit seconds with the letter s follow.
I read 1h41
